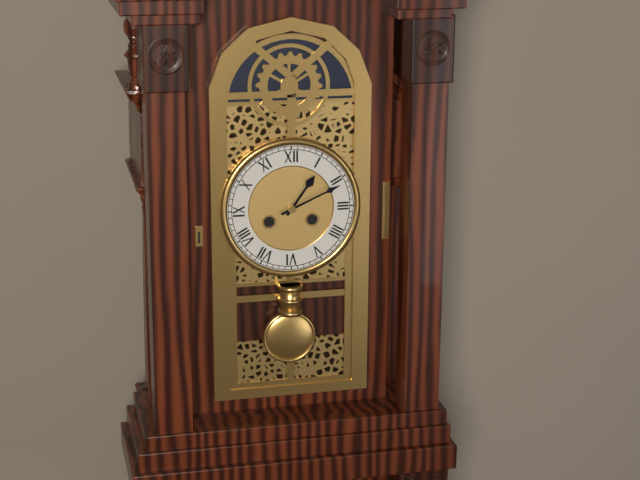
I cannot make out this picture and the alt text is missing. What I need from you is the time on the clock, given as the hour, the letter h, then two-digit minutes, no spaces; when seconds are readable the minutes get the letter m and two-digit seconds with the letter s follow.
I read 1h11
